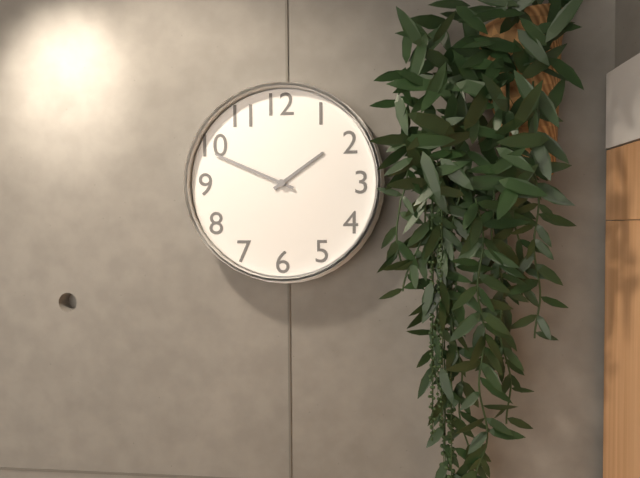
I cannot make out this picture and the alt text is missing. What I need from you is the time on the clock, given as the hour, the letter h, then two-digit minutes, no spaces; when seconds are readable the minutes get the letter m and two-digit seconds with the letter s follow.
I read 1h49
